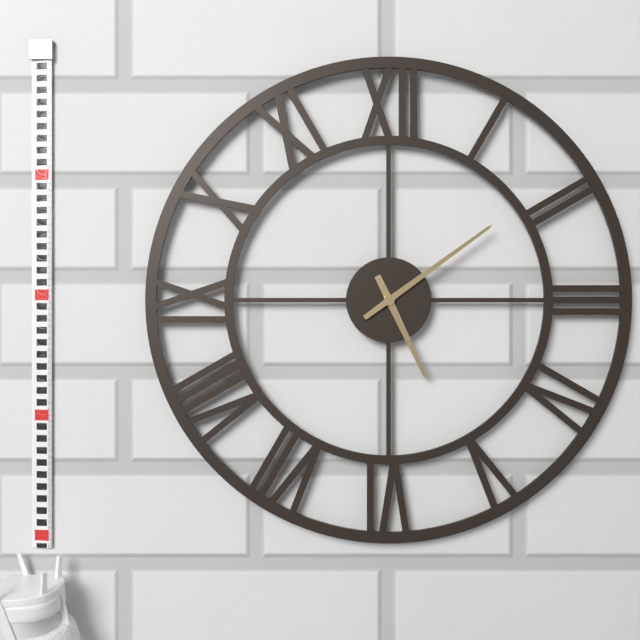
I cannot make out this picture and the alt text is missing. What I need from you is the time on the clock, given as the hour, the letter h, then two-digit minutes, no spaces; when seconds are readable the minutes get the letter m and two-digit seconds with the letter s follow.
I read 5h09
